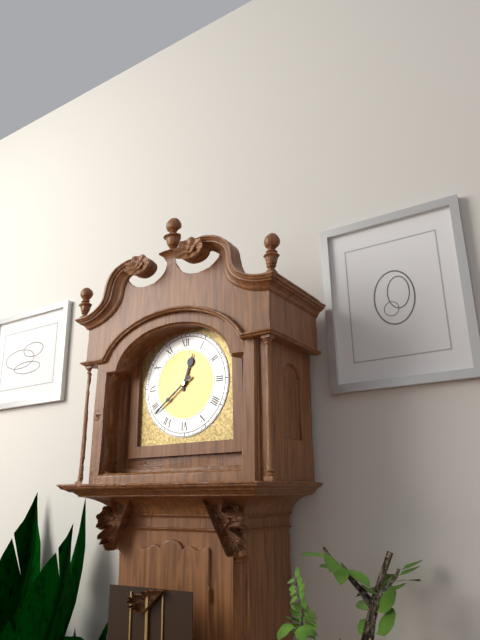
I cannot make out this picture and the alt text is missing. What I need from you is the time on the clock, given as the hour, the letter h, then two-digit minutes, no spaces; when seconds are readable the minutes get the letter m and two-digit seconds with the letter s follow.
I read 12h39
